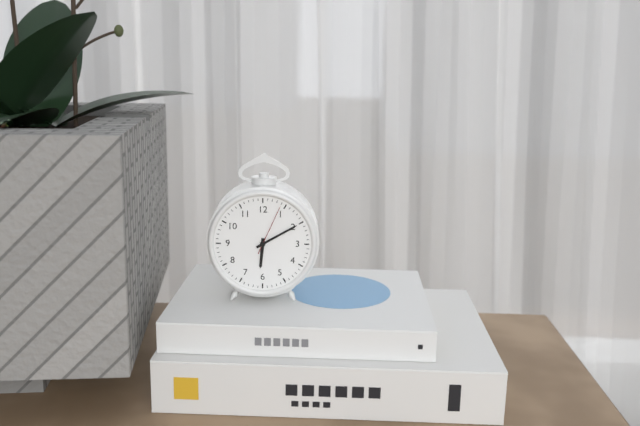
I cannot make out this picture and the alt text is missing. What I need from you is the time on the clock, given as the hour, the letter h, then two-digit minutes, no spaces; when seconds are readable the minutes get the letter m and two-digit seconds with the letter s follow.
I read 6h10m04s
